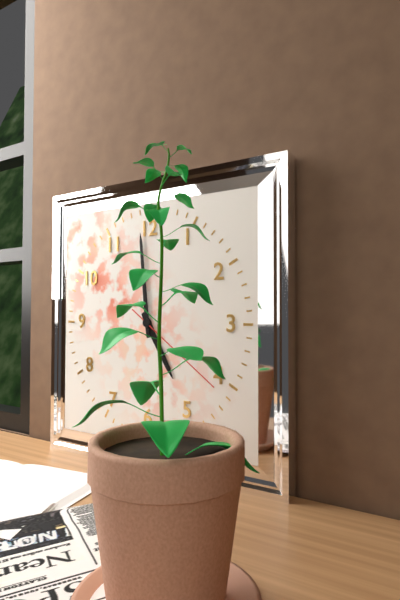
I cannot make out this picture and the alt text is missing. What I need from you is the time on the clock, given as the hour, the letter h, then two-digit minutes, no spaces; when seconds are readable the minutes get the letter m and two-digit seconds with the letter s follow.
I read 4h59m21s
